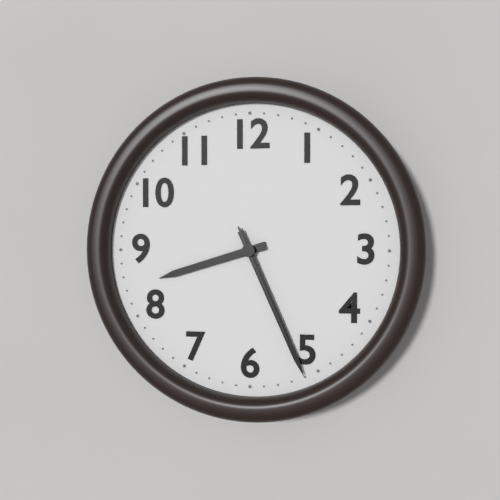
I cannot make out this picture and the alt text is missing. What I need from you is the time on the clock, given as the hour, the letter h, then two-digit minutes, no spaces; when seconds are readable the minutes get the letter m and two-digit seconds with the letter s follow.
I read 8h26m26s
